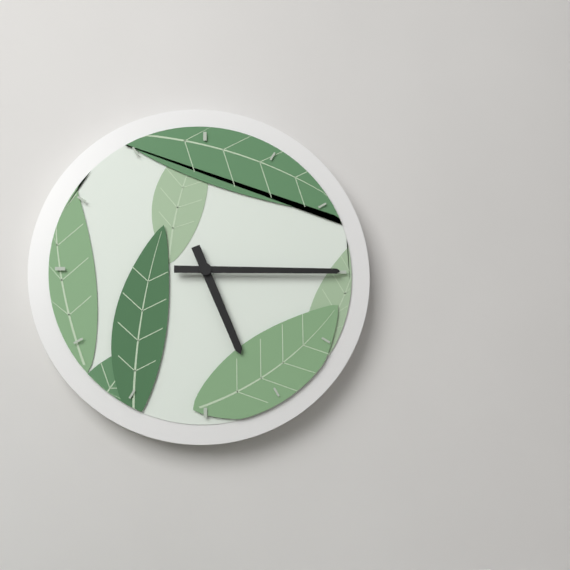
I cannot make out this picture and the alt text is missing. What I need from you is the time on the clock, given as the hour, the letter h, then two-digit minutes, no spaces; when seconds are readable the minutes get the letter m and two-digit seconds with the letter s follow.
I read 5h15
